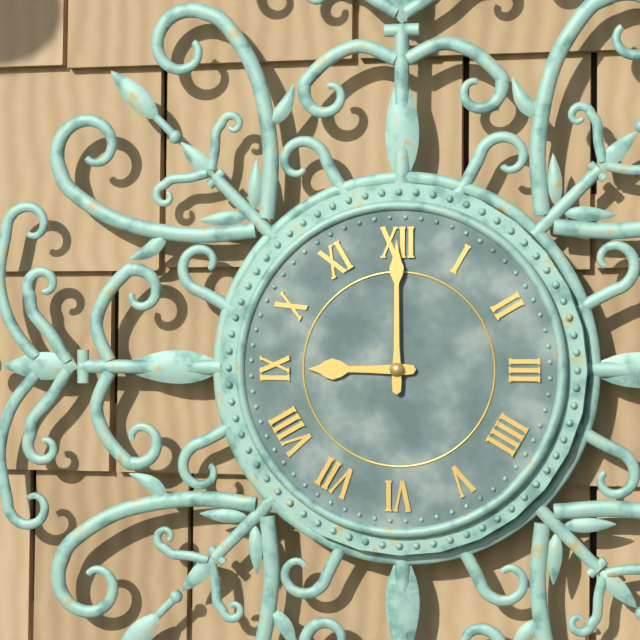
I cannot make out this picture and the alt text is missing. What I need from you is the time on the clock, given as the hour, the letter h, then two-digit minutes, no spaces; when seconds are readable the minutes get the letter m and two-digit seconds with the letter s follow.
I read 9h00
